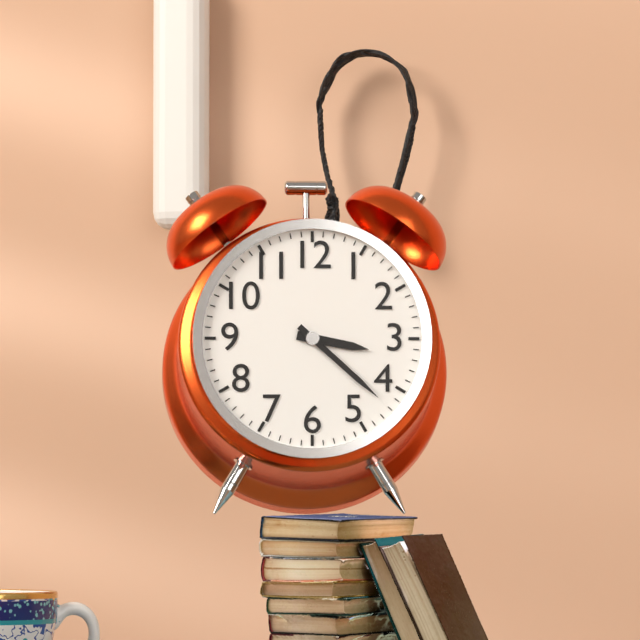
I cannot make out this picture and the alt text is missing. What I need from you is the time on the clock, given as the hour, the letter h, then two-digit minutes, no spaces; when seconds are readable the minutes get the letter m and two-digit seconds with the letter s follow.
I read 3h22
